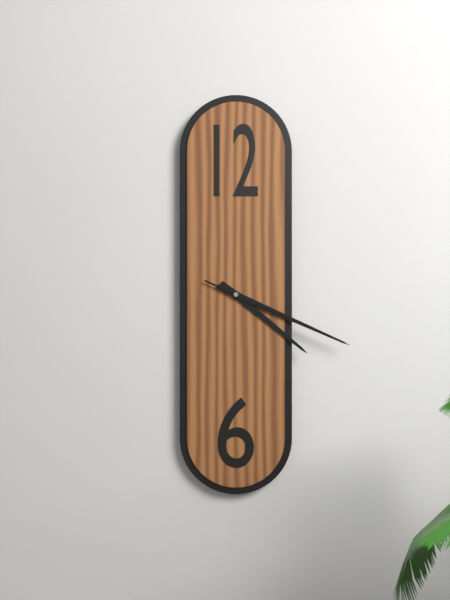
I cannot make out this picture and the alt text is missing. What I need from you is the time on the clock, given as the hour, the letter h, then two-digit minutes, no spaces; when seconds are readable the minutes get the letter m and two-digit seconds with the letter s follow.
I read 4h19m19s
